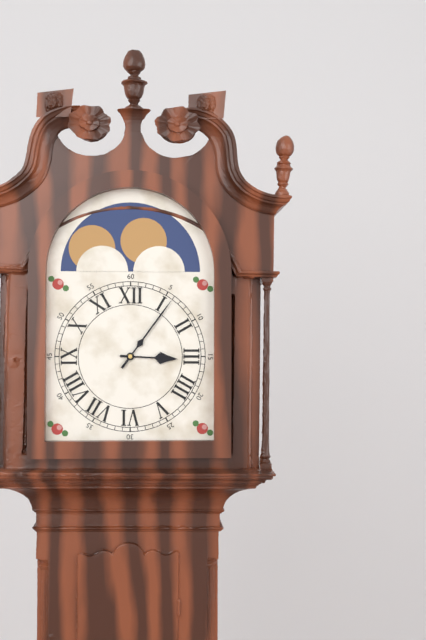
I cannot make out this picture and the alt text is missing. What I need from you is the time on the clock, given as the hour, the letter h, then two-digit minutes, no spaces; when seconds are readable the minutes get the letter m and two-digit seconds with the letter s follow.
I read 3h06
